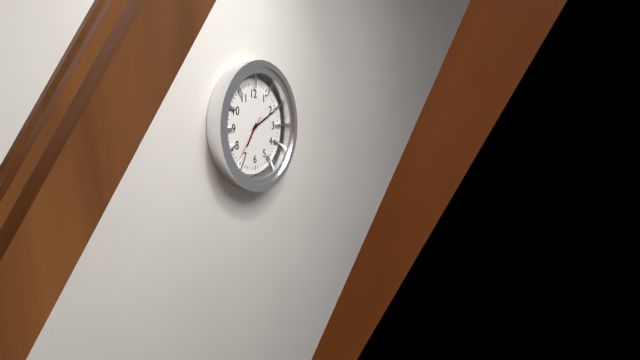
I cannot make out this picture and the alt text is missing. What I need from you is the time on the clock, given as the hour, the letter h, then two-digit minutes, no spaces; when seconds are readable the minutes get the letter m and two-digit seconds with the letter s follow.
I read 7h11
